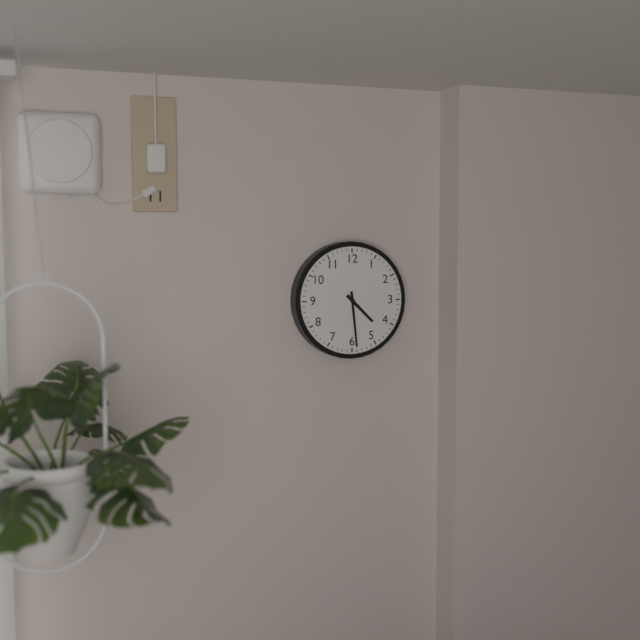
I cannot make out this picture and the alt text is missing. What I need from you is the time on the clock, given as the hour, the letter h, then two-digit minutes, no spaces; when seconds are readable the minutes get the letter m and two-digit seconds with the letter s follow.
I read 4h29
